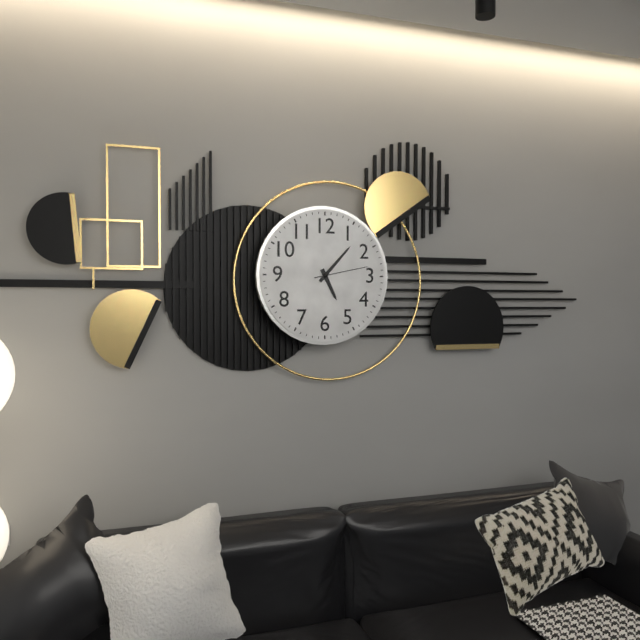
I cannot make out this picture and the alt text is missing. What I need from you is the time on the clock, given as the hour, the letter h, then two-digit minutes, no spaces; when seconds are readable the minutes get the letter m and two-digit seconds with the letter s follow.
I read 5h07m13s
